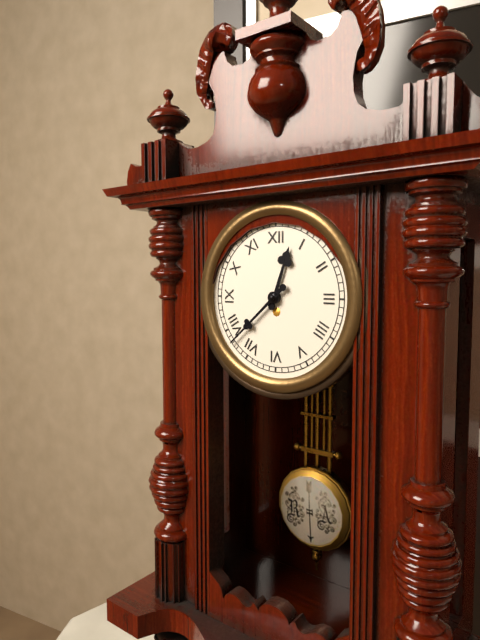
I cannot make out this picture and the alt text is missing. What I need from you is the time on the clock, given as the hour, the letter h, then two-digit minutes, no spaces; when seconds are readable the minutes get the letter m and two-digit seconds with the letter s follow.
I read 12h38
